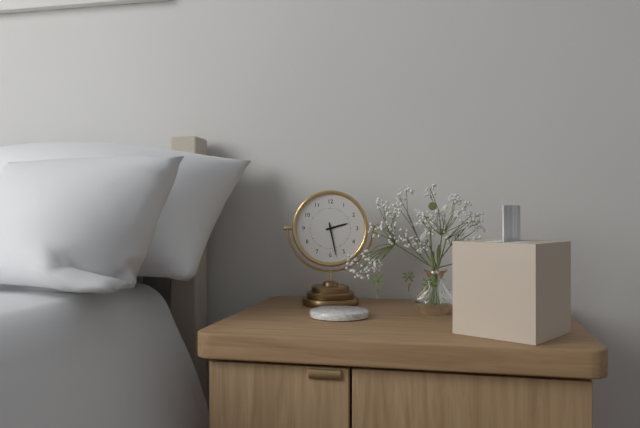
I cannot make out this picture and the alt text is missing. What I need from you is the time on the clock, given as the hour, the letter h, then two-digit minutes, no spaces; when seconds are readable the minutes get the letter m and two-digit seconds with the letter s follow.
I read 2h28
